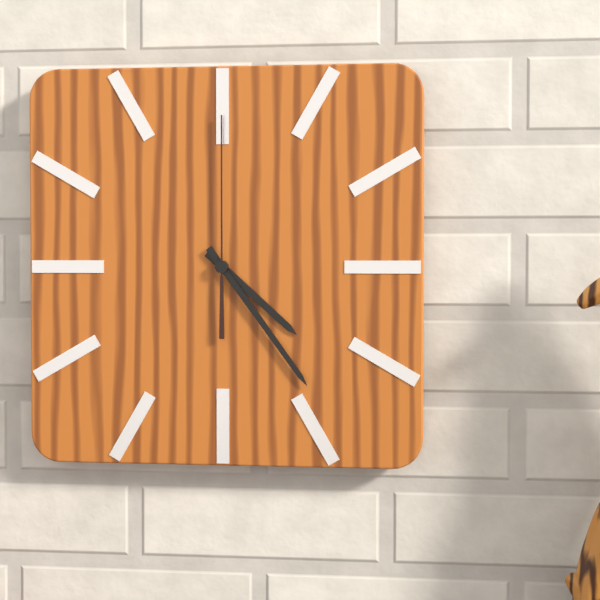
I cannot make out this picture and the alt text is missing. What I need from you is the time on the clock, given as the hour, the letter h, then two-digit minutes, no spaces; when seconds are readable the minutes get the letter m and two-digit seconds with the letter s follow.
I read 4h24m00s
